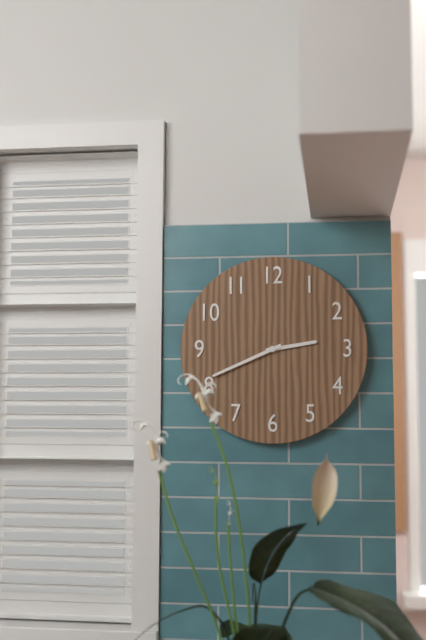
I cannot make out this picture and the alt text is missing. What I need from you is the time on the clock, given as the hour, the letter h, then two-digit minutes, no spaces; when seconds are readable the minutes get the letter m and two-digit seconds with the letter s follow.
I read 2h41
